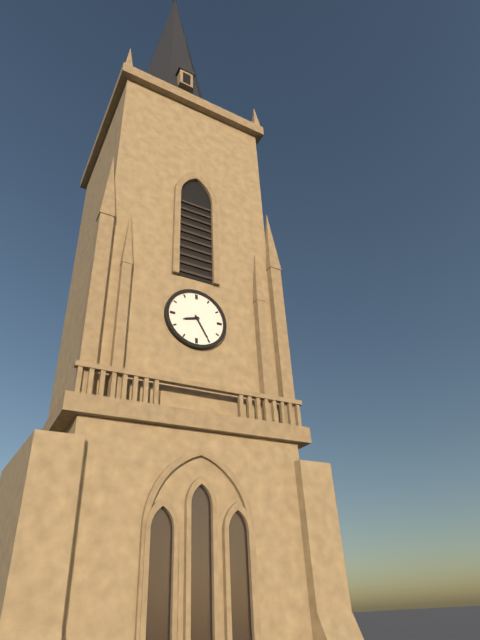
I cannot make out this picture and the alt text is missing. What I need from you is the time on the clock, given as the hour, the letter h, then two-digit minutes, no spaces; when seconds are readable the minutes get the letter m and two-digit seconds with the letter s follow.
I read 8h25
